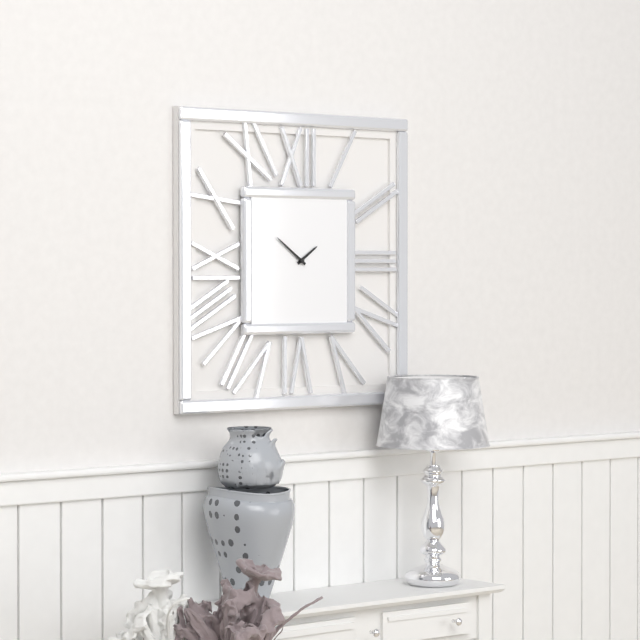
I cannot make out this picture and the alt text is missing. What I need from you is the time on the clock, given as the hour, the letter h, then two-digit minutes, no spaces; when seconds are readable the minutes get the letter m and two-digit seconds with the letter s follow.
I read 1h51
